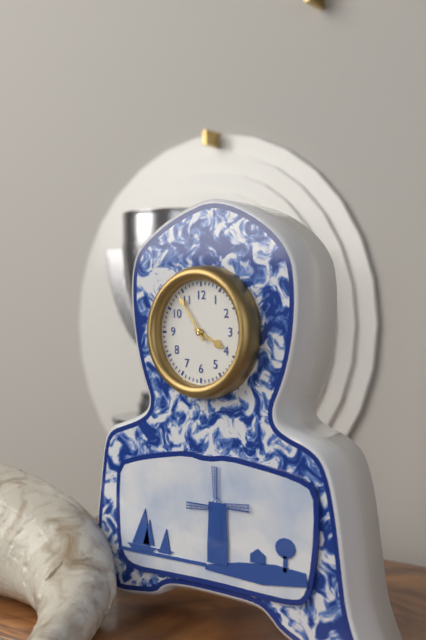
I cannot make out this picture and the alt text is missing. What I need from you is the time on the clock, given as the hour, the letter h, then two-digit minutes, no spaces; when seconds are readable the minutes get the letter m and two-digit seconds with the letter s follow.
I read 3h54
